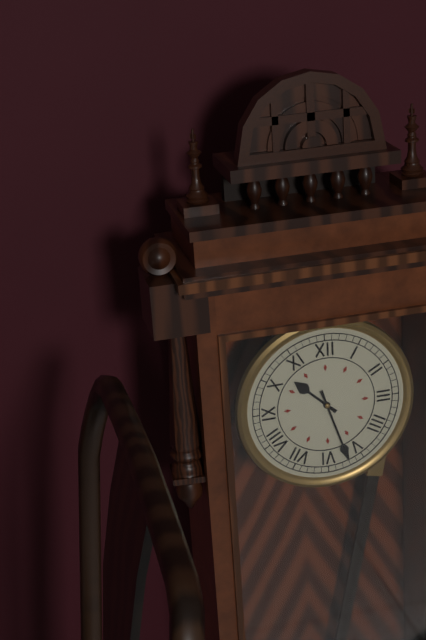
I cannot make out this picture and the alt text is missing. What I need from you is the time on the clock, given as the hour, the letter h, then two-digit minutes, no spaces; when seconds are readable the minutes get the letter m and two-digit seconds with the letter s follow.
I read 10h27
